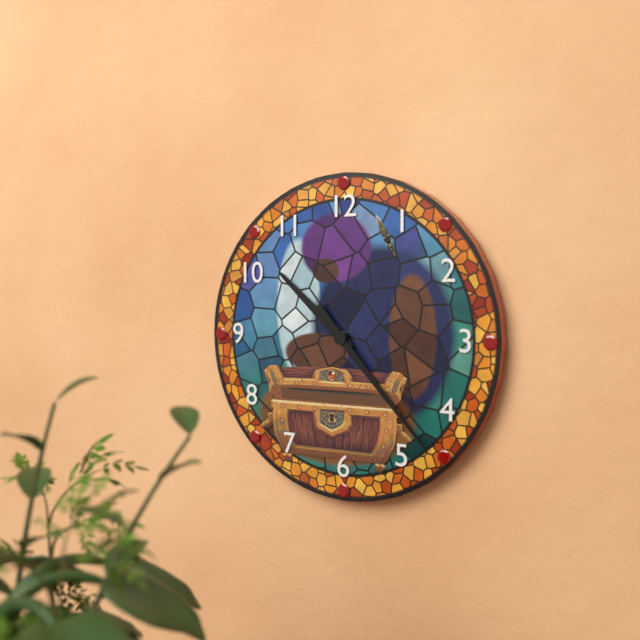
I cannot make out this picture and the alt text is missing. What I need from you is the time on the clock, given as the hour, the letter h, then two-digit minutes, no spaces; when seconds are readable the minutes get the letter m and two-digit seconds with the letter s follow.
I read 10h23
